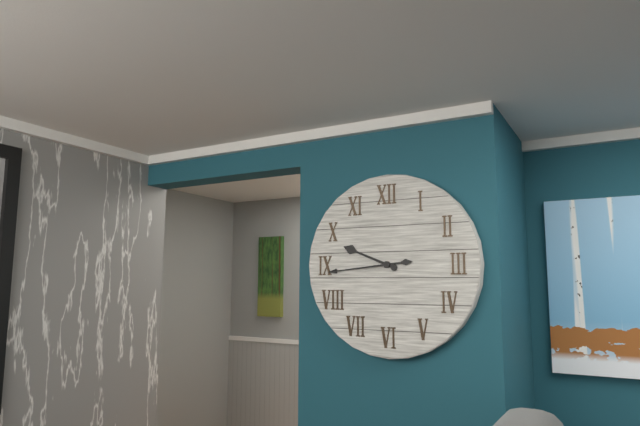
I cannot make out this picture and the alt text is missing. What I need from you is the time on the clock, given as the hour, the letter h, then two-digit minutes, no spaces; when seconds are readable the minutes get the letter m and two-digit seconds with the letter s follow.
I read 9h44
